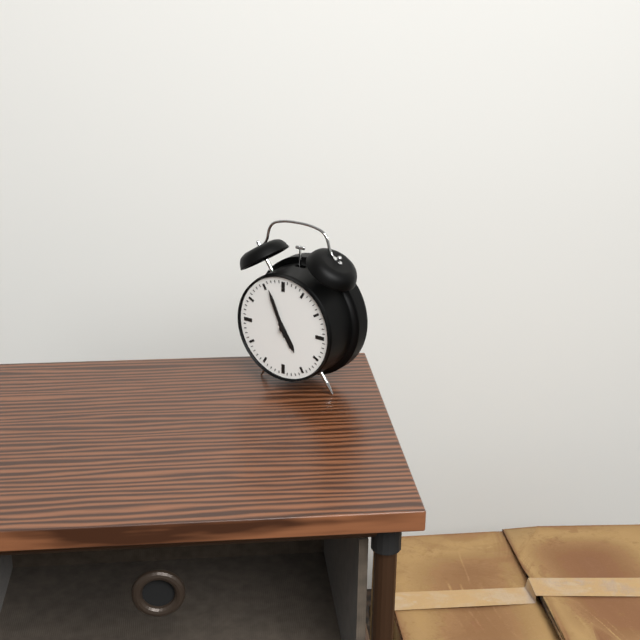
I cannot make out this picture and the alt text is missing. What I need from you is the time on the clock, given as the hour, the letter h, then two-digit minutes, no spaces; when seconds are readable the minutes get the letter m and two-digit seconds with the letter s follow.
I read 4h56
